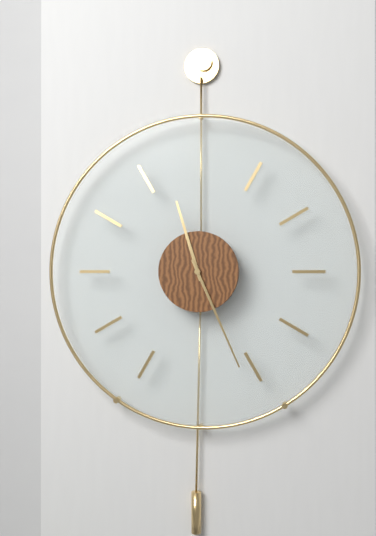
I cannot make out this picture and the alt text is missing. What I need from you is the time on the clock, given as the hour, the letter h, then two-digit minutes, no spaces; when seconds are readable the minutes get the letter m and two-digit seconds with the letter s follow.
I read 11h26
